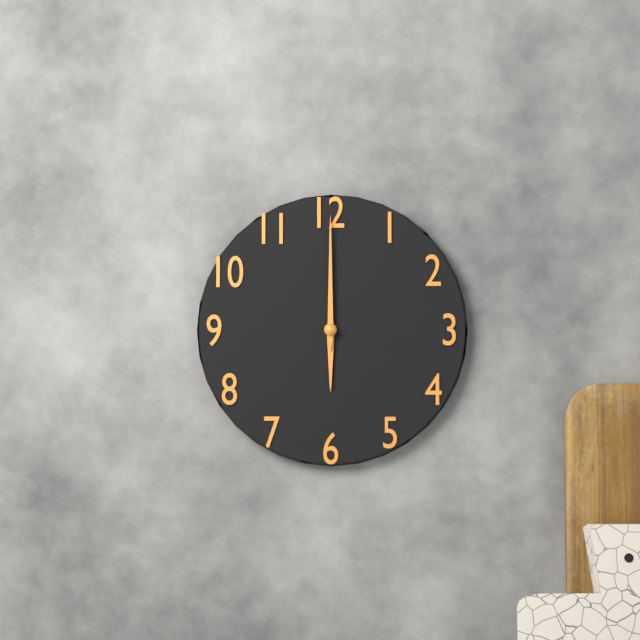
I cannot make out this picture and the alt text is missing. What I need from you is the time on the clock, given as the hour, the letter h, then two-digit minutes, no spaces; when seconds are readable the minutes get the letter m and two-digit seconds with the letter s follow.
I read 6h00
